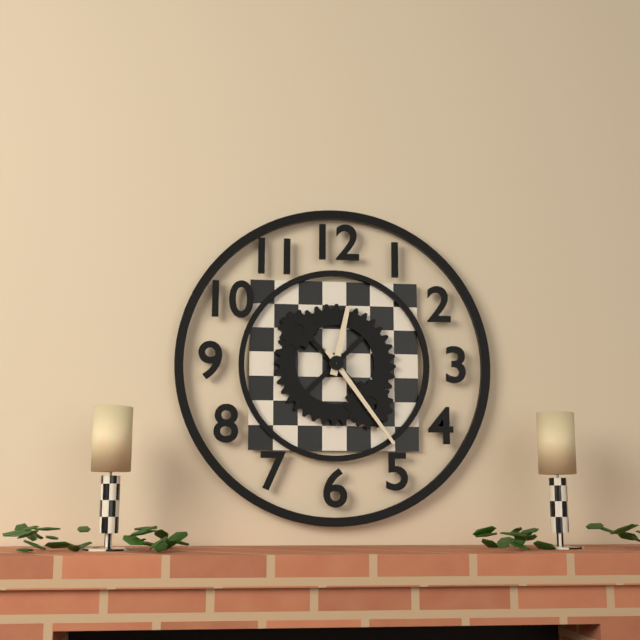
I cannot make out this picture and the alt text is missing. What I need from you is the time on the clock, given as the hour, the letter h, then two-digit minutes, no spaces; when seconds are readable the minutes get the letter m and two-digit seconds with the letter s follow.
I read 12h24
